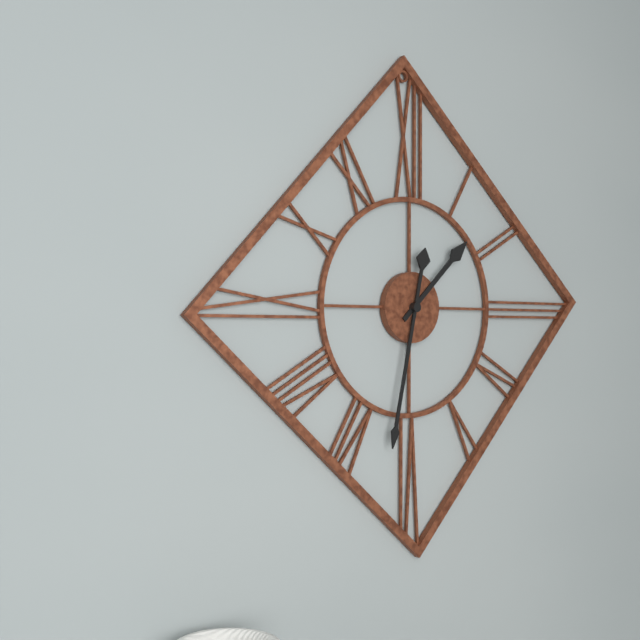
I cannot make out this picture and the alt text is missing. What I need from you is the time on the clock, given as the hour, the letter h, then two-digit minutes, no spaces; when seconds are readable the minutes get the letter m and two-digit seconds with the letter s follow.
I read 1h32
